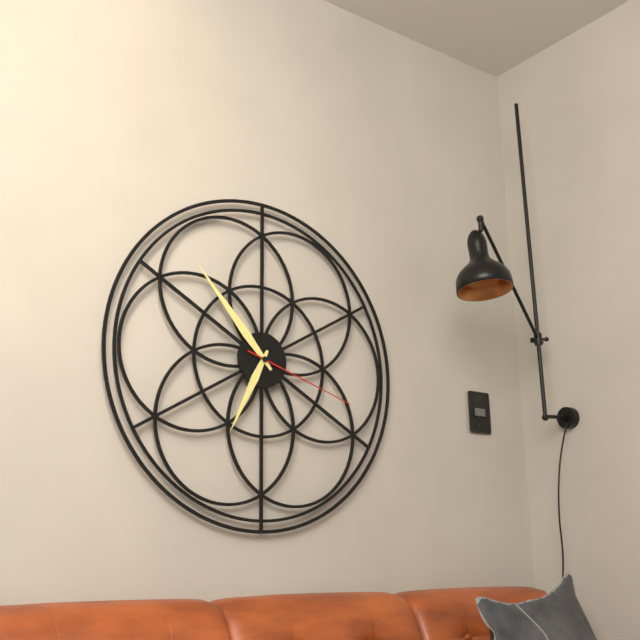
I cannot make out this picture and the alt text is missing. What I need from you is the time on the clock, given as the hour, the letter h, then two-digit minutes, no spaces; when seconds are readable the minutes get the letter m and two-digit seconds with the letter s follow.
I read 6h53m18s
